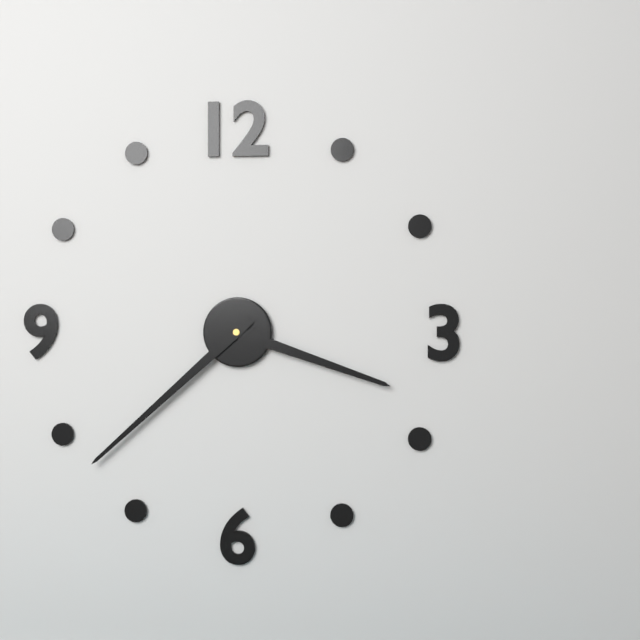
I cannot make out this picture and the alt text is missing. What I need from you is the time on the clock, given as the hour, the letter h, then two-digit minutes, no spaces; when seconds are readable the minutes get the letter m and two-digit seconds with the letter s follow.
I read 3h38
